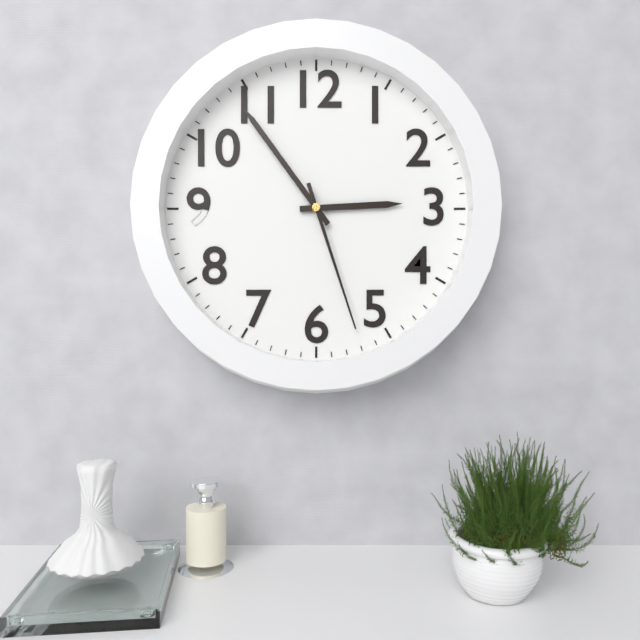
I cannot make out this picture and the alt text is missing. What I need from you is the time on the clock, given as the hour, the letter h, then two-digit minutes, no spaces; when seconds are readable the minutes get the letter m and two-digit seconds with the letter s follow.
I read 2h54m27s
